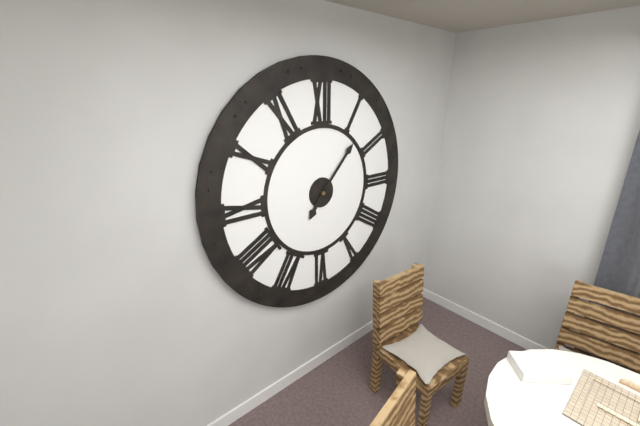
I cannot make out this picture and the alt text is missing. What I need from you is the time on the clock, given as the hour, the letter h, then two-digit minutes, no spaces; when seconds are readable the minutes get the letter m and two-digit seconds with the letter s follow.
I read 7h07
